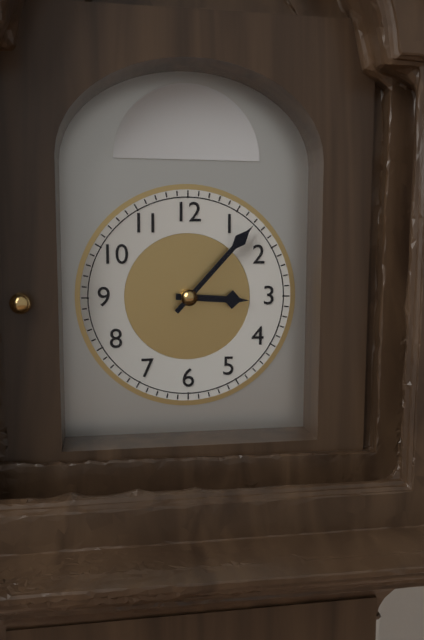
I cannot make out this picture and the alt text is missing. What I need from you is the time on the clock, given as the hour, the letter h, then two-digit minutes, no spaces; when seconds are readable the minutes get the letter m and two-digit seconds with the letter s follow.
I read 3h07
